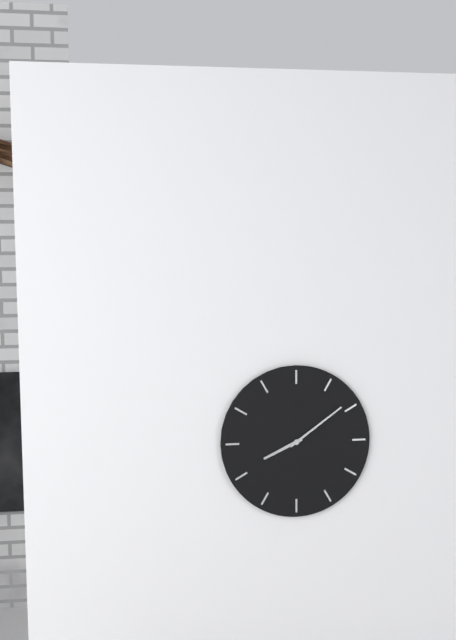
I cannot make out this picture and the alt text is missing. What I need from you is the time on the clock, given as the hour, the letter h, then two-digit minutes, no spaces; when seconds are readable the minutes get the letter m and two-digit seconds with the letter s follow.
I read 8h09
